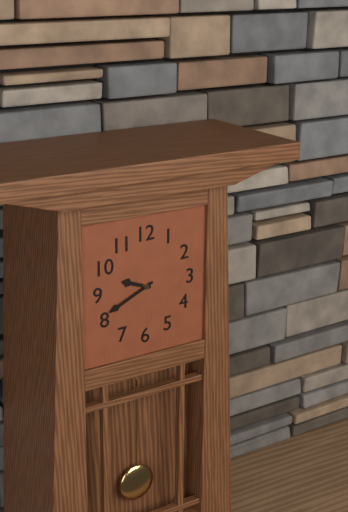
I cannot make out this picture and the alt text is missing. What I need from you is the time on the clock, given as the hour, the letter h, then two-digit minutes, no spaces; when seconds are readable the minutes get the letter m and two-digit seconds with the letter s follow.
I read 9h41
